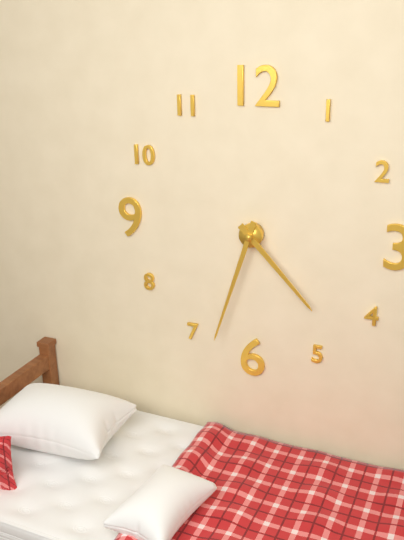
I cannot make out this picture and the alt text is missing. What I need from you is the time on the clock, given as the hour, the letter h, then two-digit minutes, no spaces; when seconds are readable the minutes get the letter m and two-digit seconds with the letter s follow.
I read 4h33
